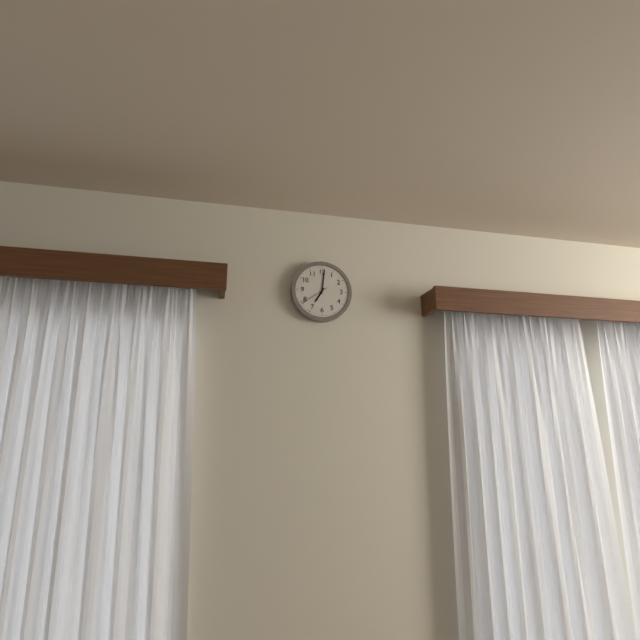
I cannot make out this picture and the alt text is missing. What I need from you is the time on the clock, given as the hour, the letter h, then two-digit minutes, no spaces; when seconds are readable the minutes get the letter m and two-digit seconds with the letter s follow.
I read 7h01
